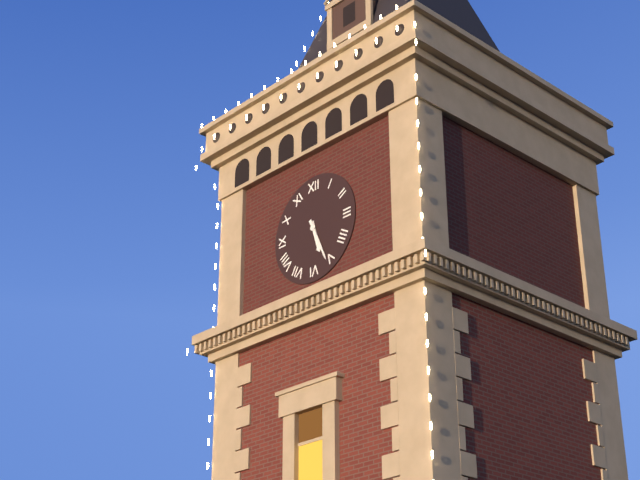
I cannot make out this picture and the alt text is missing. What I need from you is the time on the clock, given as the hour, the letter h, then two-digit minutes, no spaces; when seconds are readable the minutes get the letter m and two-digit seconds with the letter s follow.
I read 5h26
